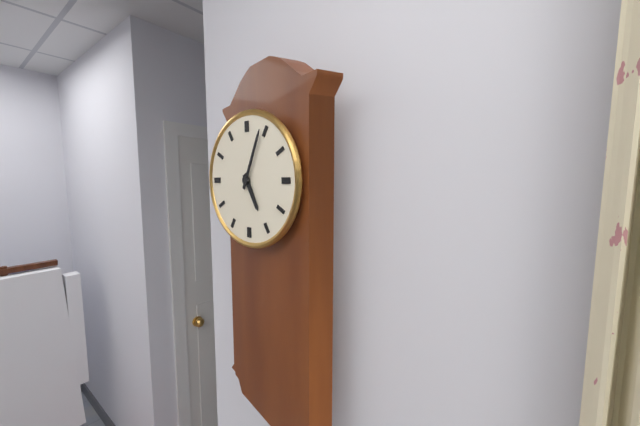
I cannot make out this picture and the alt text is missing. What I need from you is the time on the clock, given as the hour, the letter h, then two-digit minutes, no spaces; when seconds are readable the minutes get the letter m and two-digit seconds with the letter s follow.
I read 5h04
